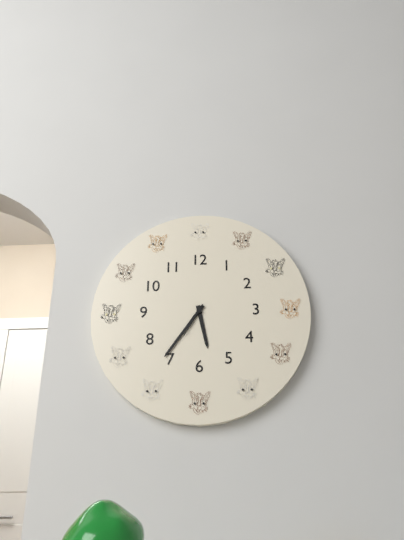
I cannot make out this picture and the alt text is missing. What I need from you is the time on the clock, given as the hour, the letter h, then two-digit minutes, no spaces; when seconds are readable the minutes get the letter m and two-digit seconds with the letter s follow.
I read 5h36
